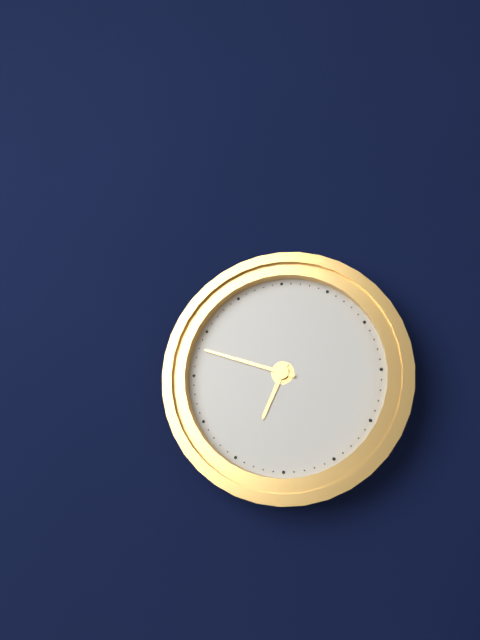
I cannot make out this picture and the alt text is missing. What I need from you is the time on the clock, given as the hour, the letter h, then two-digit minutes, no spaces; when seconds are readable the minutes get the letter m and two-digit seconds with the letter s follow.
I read 6h48
